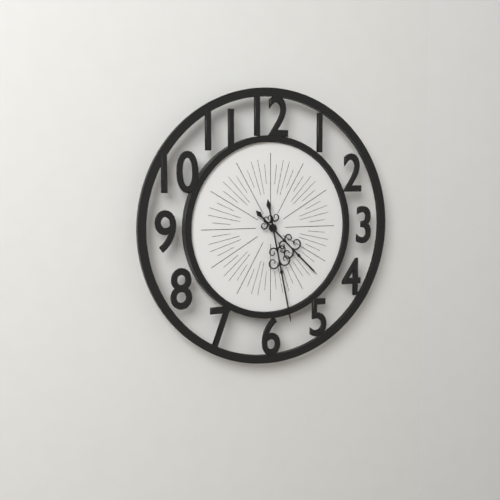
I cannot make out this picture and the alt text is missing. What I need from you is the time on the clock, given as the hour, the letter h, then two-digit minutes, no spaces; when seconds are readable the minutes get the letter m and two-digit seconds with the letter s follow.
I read 4h28
